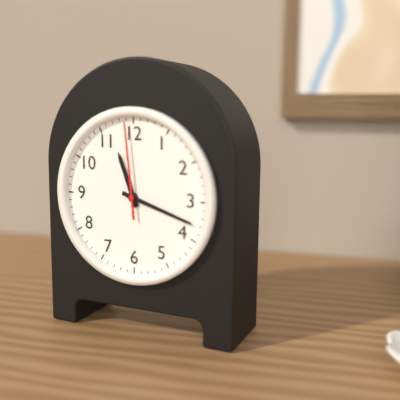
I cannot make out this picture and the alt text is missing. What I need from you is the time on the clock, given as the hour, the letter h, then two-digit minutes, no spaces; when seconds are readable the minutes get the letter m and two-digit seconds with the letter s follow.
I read 11h18m59s
